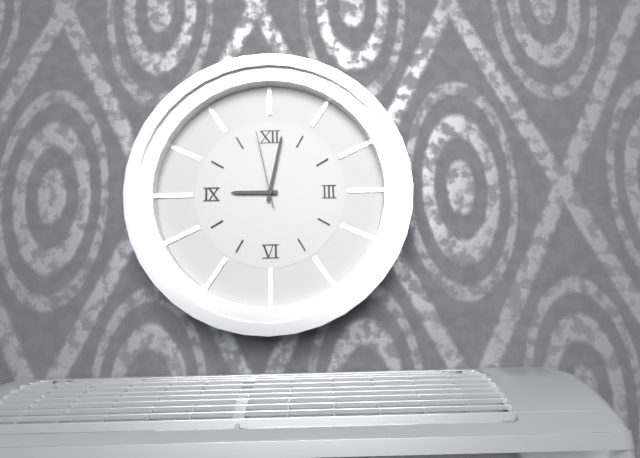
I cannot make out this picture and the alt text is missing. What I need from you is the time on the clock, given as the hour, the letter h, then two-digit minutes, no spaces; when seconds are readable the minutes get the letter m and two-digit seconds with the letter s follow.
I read 9h02m58s
